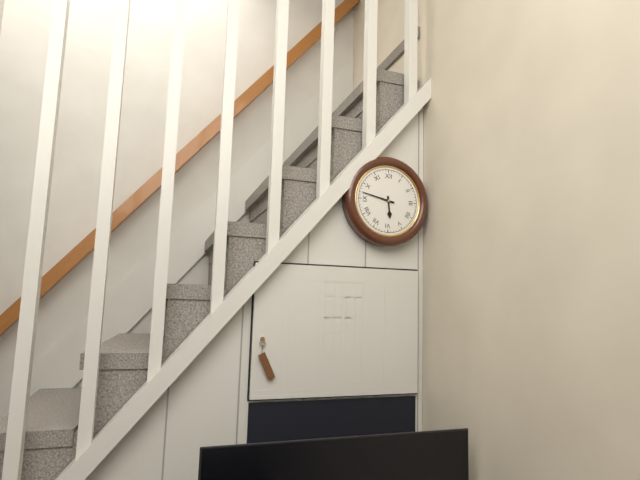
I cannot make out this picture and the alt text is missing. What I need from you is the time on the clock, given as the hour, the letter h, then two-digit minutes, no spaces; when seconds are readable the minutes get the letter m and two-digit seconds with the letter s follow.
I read 5h47
